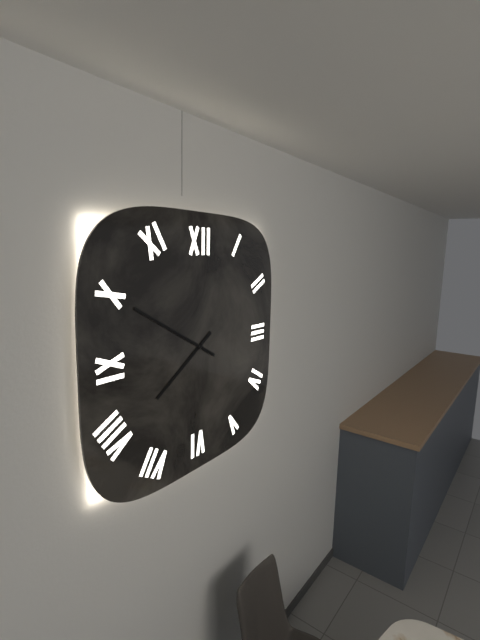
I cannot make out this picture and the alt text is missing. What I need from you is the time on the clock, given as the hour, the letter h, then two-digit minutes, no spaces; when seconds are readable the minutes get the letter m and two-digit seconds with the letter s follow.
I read 7h50
